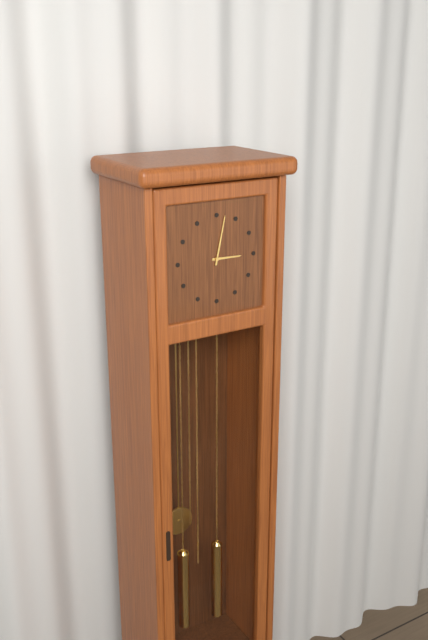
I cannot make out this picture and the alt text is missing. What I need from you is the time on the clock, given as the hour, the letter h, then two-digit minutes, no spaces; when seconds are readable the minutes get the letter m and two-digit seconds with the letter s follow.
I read 3h02
